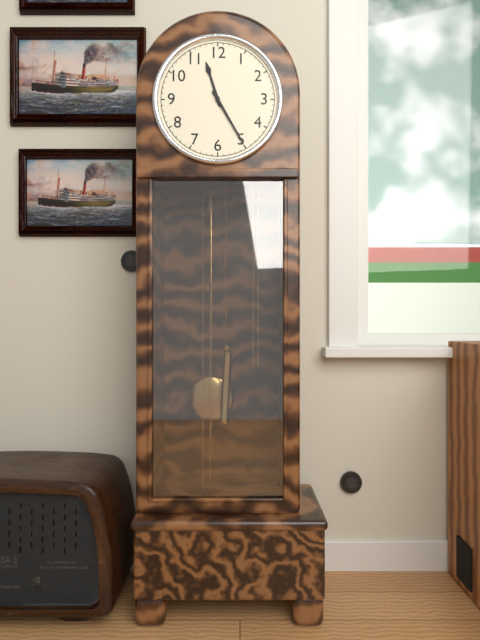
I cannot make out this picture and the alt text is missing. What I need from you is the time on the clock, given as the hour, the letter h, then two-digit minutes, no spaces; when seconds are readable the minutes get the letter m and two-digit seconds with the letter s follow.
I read 11h25
